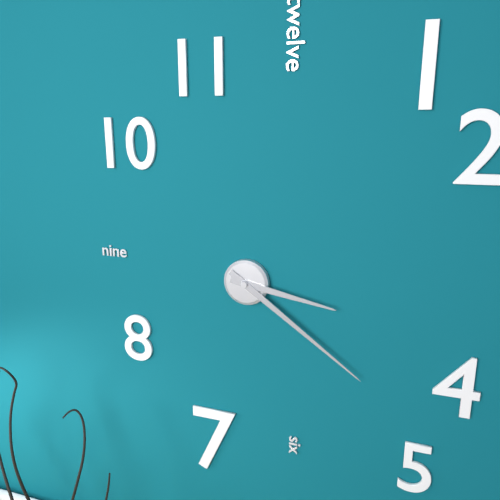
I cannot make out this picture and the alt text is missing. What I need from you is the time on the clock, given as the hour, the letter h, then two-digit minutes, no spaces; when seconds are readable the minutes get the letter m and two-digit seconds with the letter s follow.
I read 3h21
